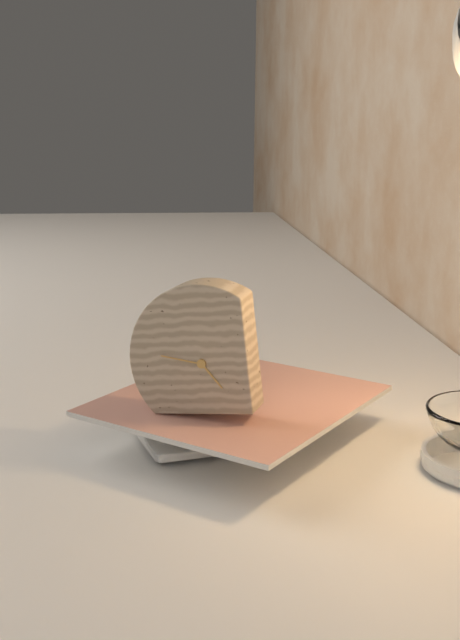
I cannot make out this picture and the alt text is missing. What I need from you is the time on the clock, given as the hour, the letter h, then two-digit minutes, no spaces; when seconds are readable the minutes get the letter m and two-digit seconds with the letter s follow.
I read 4h47
